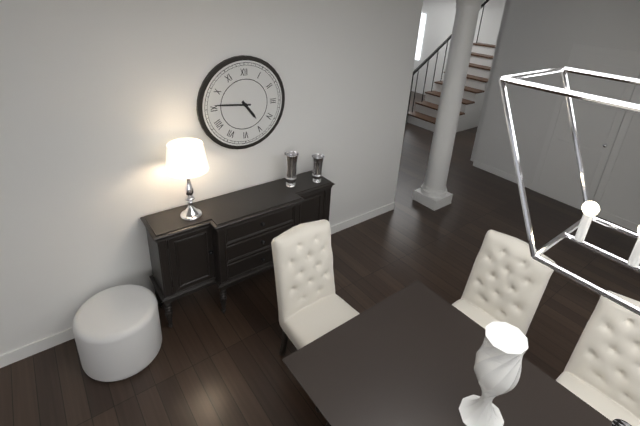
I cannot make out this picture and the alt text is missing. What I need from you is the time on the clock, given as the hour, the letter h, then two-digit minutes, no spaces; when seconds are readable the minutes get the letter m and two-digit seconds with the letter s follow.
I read 4h46
